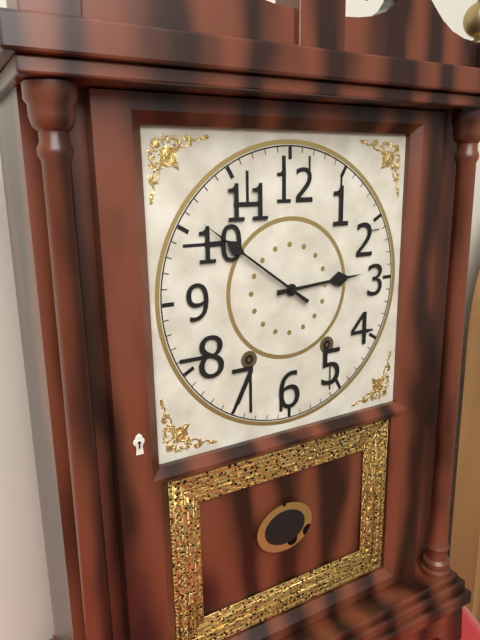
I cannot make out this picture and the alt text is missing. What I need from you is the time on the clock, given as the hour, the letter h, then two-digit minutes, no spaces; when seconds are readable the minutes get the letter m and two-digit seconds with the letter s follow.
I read 2h51
